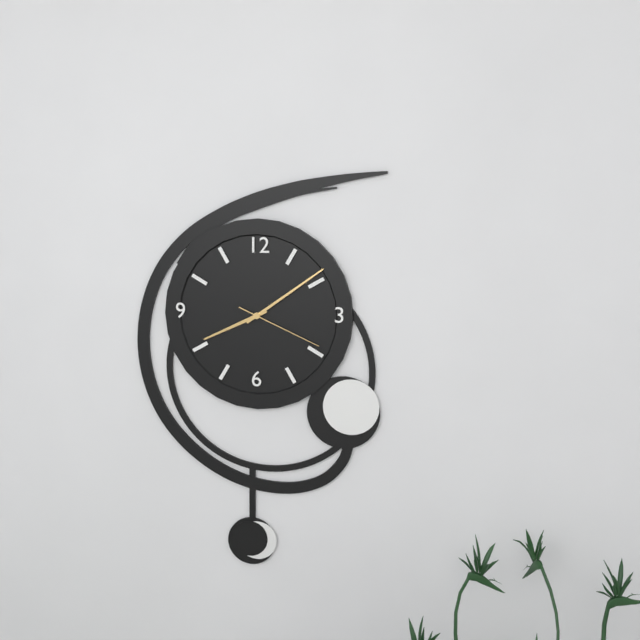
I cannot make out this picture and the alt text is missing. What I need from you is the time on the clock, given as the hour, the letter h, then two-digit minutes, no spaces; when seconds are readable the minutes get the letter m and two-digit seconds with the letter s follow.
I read 8h09m19s
